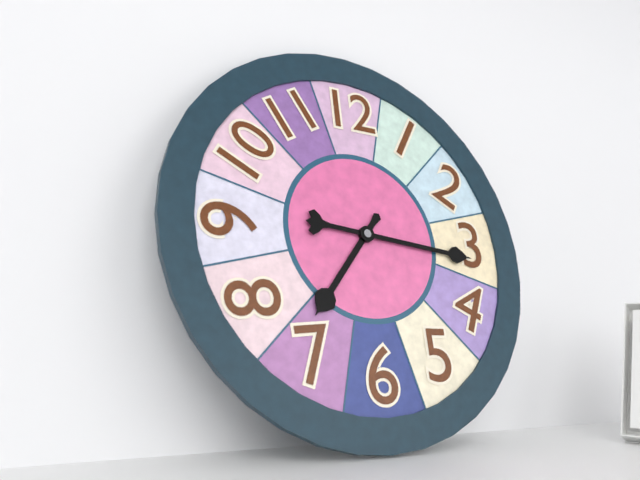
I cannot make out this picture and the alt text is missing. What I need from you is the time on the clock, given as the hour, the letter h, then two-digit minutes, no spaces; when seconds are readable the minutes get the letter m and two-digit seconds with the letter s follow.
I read 7h16
